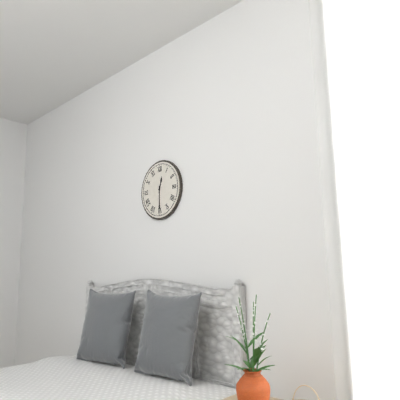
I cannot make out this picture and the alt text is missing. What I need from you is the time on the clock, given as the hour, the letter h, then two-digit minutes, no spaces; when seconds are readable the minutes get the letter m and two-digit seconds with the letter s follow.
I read 12h30
